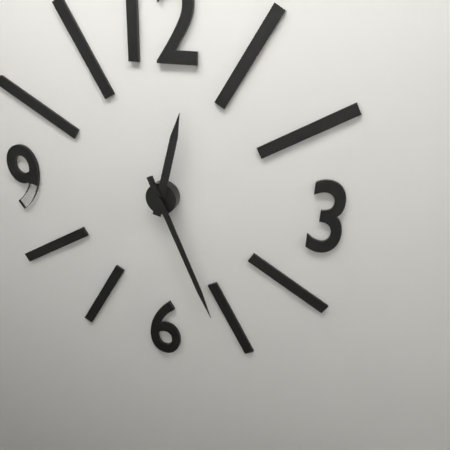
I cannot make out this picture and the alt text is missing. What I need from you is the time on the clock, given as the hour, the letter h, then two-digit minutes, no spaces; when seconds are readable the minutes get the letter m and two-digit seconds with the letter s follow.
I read 12h26
